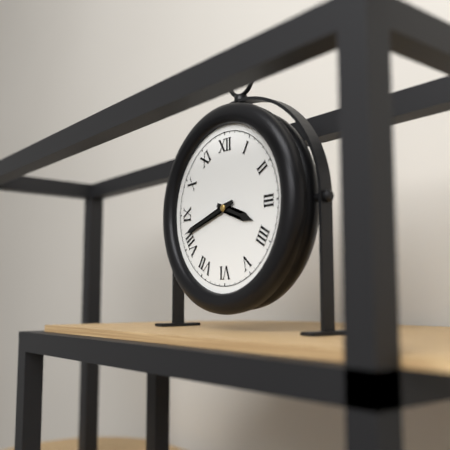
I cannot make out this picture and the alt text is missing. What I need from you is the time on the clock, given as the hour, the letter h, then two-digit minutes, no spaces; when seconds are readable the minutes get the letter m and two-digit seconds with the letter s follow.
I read 3h42
